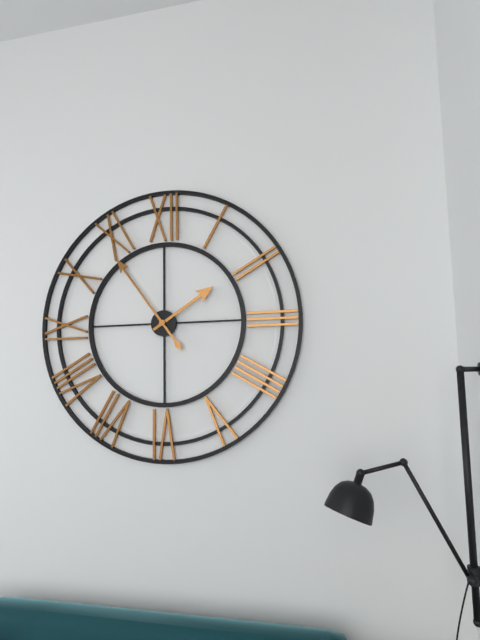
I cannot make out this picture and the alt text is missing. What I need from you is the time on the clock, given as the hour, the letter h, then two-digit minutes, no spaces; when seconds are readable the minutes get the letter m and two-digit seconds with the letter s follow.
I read 1h54
